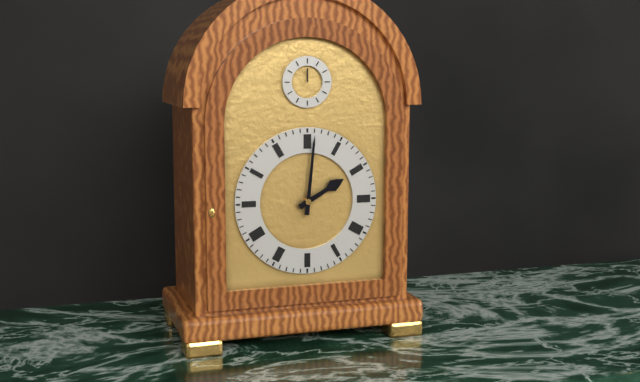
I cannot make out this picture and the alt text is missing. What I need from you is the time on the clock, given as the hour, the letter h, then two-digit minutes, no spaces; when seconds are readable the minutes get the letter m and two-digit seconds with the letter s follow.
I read 2h01
